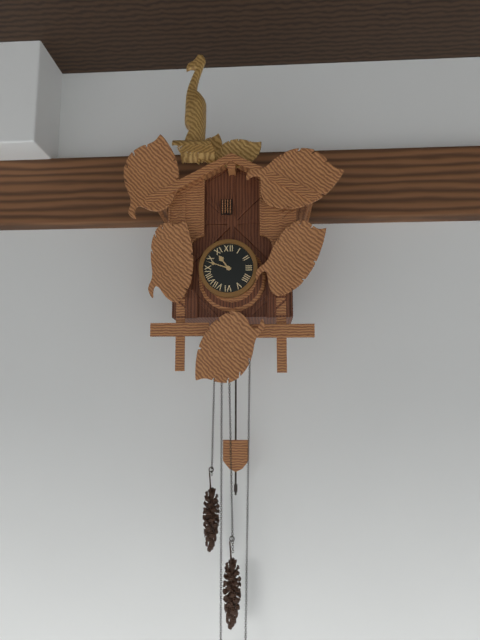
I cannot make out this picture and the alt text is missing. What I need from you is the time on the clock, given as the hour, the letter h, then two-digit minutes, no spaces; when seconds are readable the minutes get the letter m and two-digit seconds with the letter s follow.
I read 10h48
